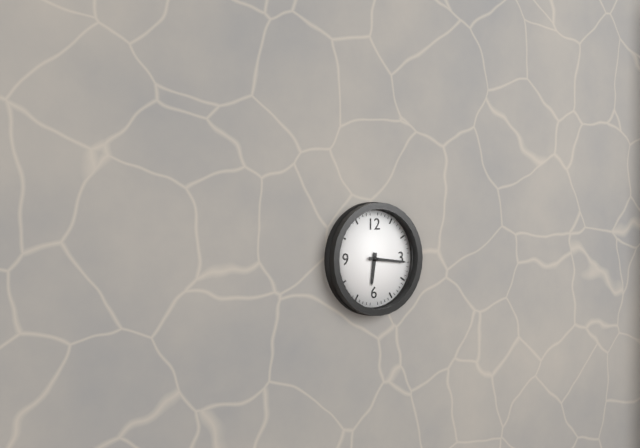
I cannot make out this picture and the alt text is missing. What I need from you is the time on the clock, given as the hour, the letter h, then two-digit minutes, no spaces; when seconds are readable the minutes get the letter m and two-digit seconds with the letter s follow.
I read 6h16
